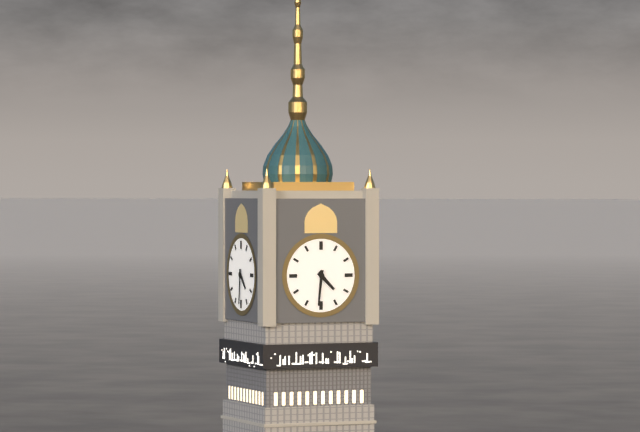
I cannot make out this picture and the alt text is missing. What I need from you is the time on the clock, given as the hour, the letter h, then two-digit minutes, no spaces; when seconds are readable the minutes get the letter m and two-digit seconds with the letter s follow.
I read 4h31
